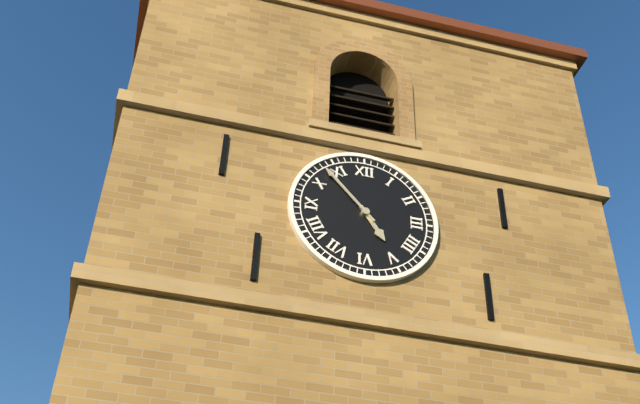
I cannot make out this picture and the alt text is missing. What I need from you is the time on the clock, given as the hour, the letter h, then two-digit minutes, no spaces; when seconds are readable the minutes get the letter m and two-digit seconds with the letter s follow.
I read 4h53
